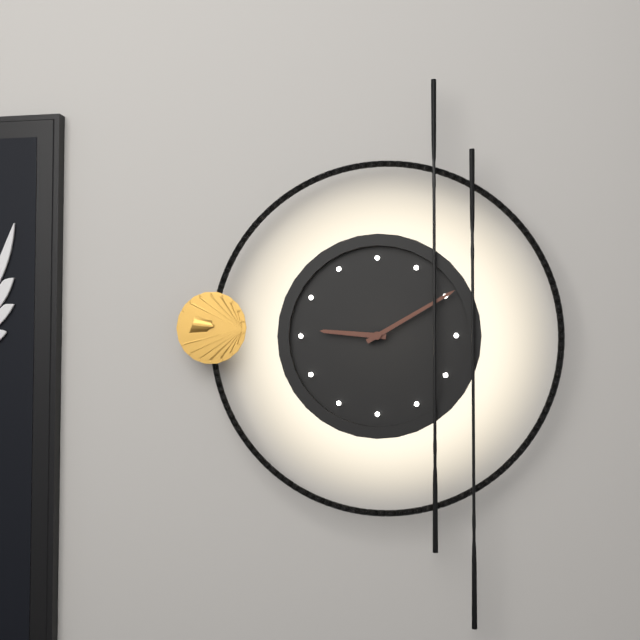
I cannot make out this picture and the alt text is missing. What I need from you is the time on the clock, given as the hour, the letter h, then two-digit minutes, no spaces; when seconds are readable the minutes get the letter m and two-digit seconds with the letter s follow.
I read 9h10
